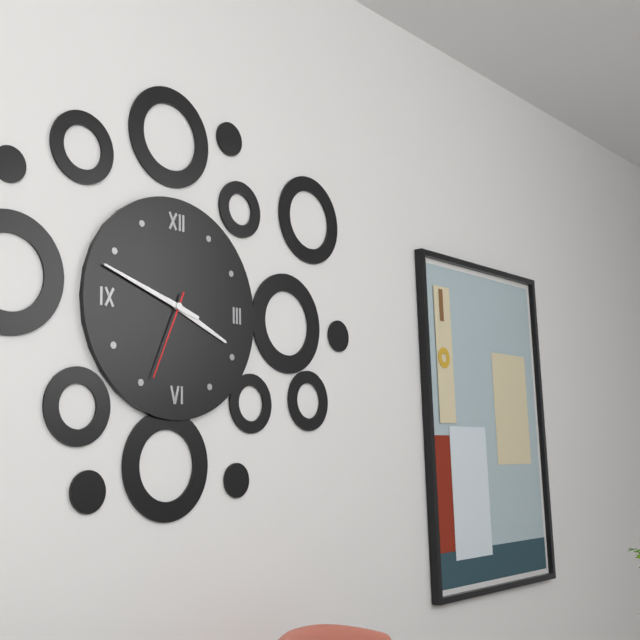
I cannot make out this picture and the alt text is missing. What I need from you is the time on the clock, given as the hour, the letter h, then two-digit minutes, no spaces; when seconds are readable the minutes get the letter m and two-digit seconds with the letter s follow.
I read 3h48m34s
